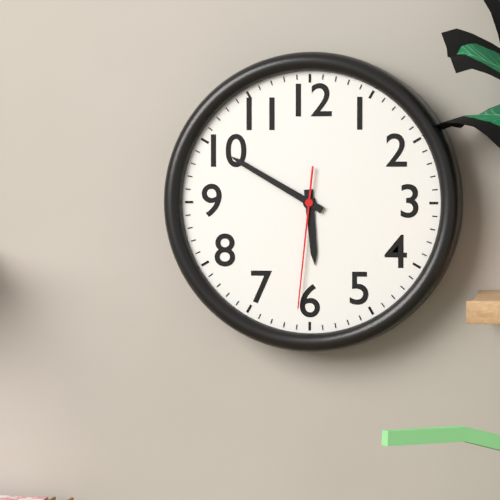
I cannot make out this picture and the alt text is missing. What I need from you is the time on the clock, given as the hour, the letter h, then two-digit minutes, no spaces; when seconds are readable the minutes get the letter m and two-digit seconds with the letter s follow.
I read 5h50m31s
